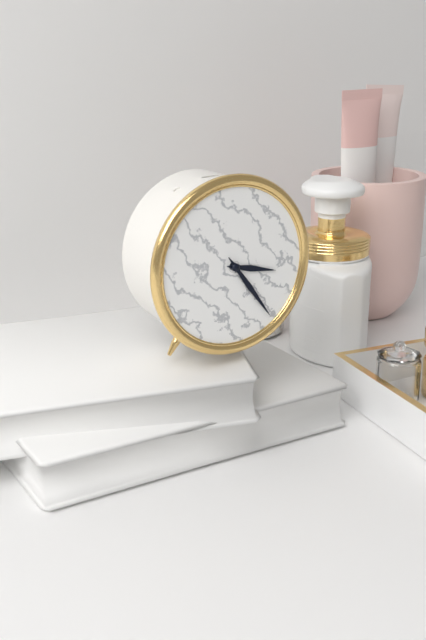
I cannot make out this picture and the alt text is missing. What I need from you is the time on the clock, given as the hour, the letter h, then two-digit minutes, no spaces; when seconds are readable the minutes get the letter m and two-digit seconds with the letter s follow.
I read 3h24
